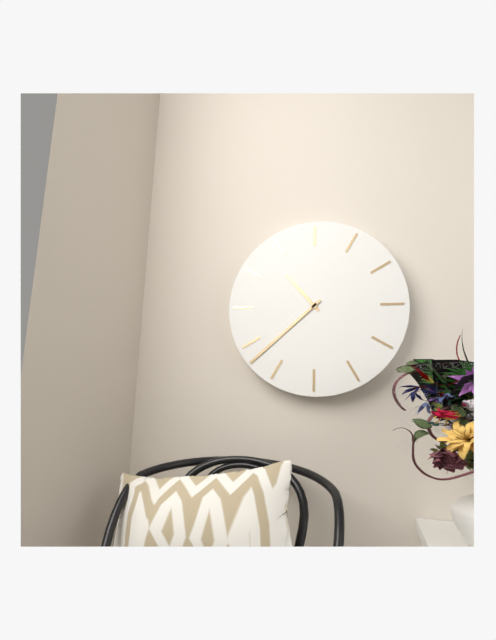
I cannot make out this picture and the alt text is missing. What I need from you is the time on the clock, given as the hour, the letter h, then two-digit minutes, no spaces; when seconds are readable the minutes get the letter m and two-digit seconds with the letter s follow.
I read 10h38
